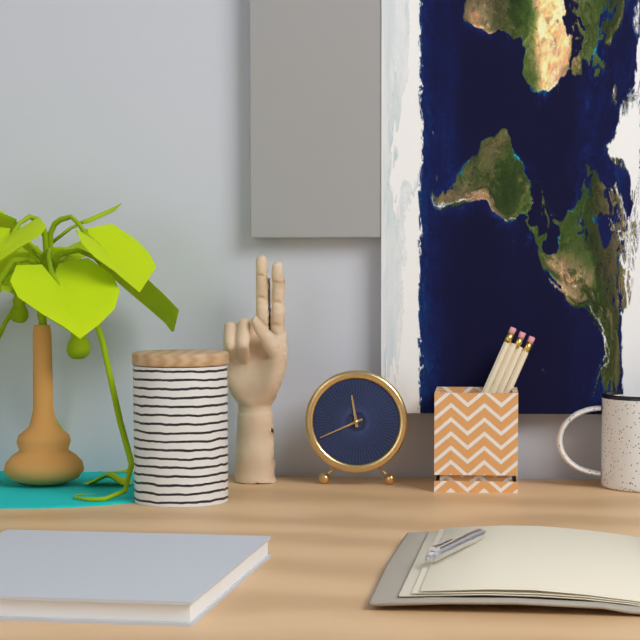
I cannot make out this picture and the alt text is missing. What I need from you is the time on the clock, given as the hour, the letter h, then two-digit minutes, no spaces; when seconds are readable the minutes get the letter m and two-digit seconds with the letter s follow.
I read 11h41
